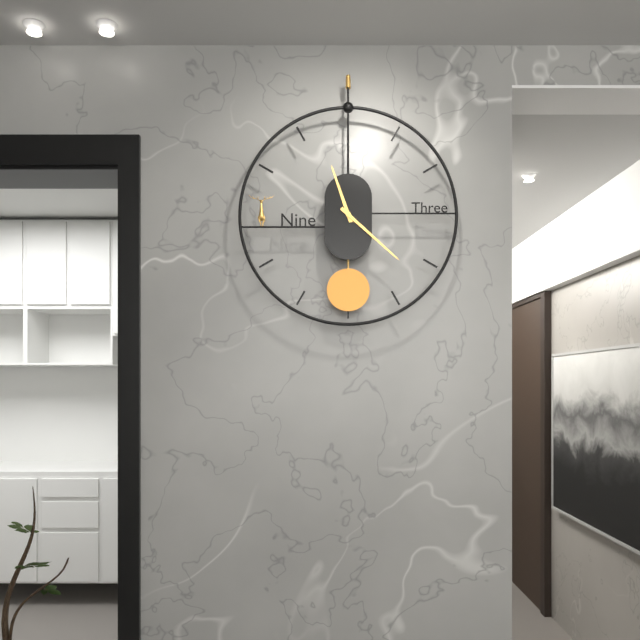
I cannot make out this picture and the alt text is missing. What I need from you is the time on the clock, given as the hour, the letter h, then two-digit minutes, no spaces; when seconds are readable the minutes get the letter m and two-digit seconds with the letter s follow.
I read 11h22
